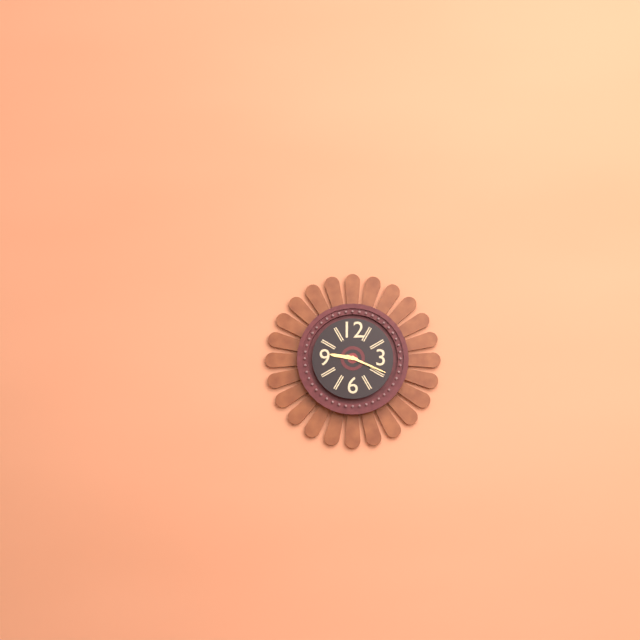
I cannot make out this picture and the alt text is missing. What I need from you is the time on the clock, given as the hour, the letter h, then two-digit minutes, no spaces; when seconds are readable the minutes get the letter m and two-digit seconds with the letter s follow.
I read 9h19
